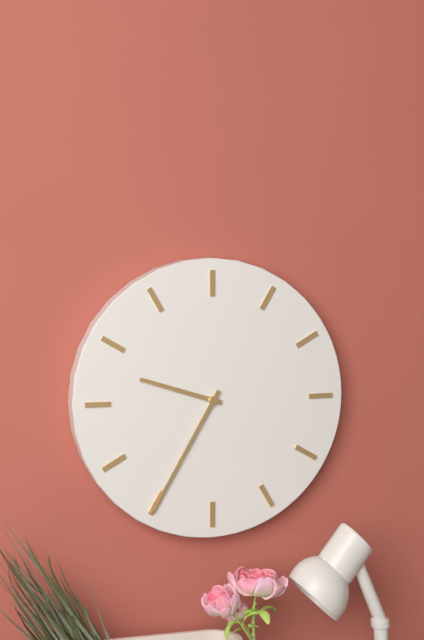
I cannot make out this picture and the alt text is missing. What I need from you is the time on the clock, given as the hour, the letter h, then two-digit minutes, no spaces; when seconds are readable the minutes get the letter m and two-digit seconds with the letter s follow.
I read 9h35
